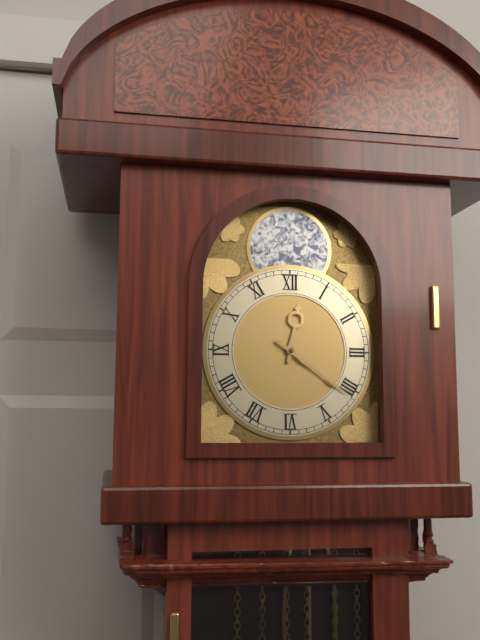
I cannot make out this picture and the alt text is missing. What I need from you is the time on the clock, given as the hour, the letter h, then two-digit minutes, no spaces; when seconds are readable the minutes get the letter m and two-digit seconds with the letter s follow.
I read 12h21
